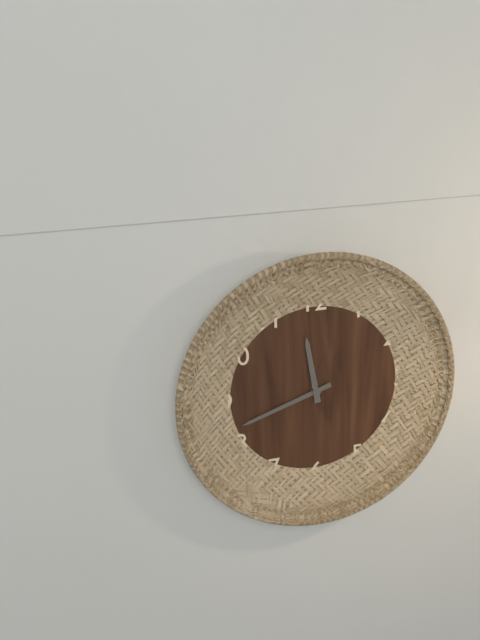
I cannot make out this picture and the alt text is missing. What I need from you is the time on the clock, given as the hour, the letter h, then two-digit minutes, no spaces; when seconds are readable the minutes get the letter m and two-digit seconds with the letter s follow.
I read 11h42
